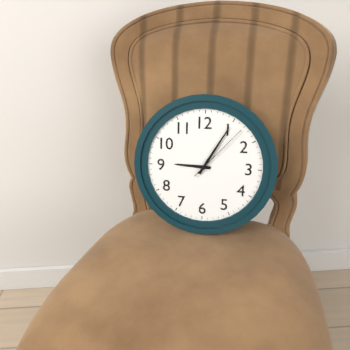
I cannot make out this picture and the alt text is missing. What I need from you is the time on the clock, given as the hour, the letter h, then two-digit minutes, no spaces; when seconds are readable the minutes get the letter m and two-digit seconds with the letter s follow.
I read 9h05m07s
